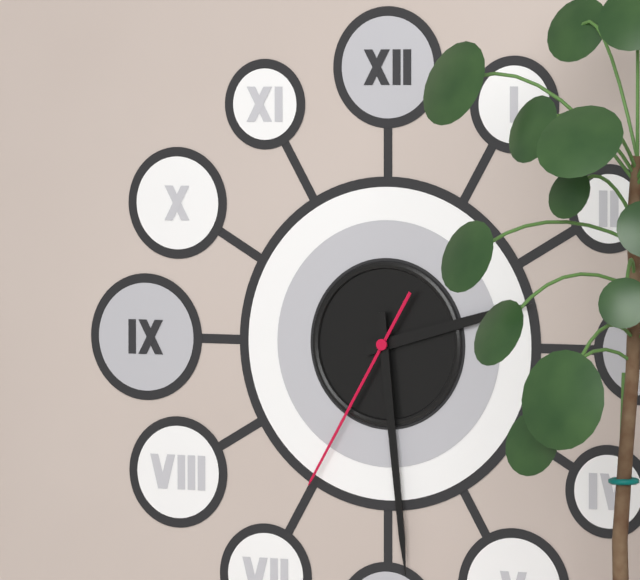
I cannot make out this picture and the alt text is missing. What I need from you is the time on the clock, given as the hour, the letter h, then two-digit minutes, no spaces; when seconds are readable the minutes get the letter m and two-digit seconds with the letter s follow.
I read 2h29m35s
